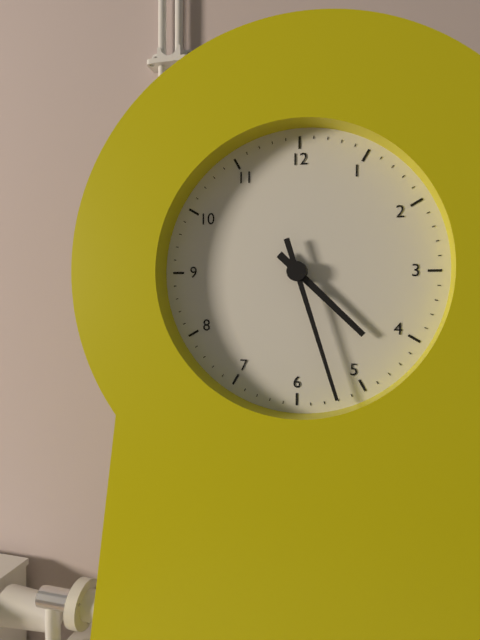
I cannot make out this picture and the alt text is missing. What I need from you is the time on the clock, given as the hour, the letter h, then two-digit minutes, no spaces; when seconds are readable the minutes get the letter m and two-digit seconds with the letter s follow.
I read 4h27
